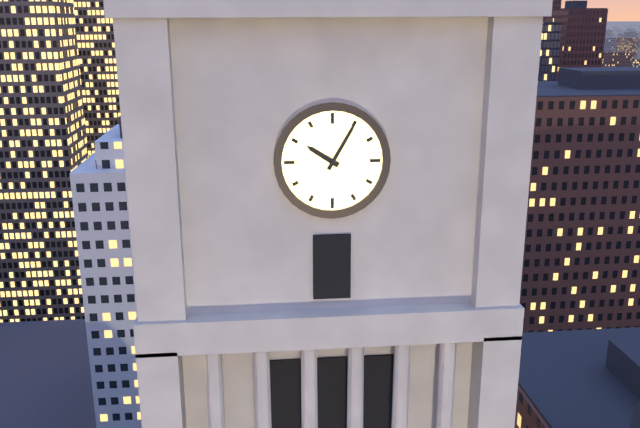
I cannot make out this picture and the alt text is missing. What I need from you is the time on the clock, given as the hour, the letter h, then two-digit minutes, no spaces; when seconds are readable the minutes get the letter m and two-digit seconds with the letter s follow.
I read 10h05
